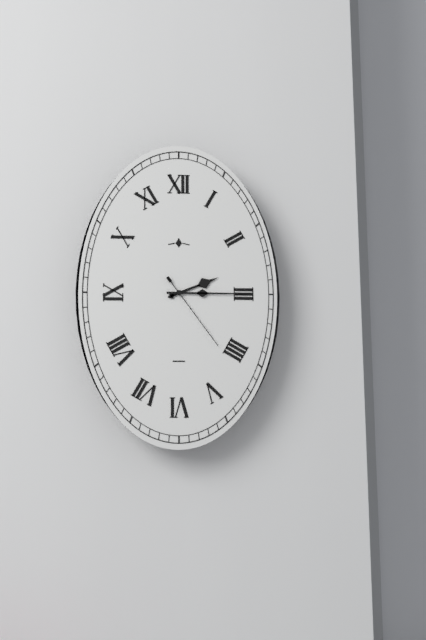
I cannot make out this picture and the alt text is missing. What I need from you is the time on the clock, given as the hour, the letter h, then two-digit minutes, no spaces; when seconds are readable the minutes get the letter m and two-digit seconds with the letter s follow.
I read 2h15m24s
